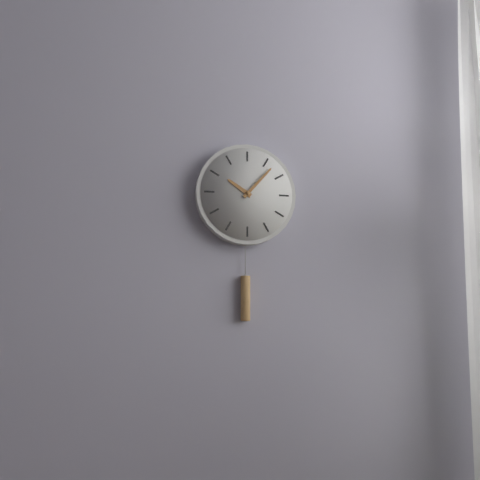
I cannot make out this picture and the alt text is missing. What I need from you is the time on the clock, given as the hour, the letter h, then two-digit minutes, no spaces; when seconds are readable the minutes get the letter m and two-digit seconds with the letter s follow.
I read 10h07
